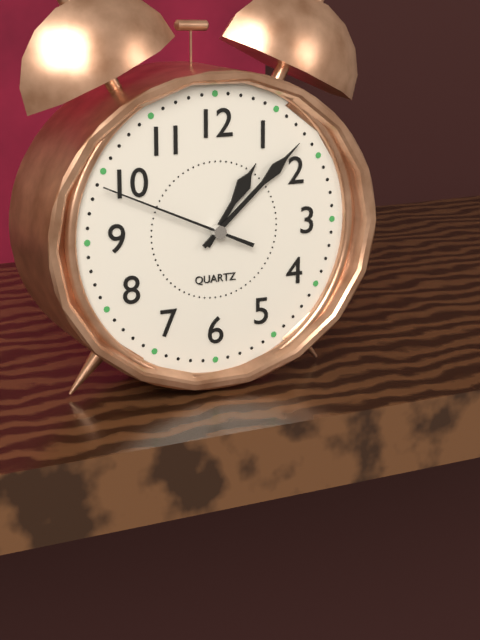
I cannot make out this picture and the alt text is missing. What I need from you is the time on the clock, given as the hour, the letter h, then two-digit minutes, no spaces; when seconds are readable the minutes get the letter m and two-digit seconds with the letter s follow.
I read 1h08m49s
